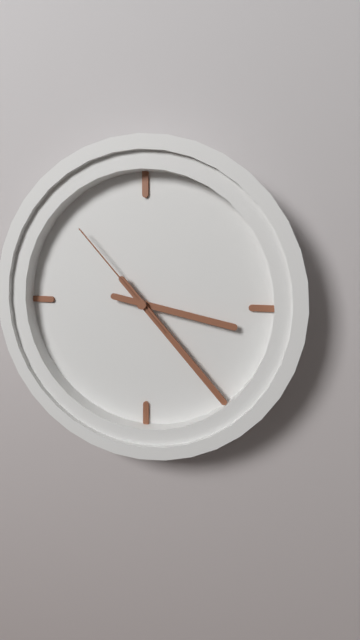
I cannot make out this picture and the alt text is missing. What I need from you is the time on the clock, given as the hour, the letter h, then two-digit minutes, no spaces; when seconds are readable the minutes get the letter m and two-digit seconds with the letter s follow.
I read 3h23m53s
